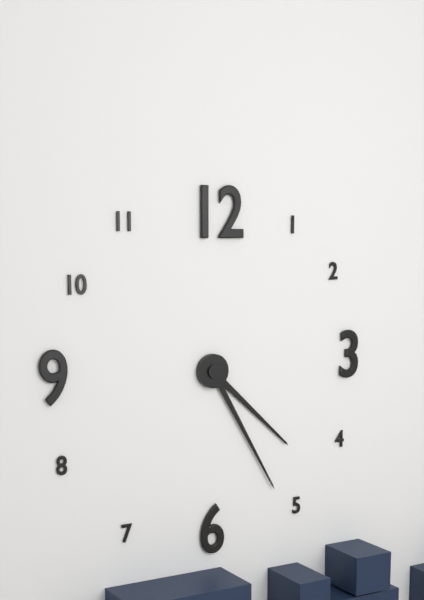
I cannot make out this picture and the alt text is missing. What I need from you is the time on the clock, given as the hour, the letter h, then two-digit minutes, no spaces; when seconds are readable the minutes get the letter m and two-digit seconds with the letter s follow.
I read 4h25
